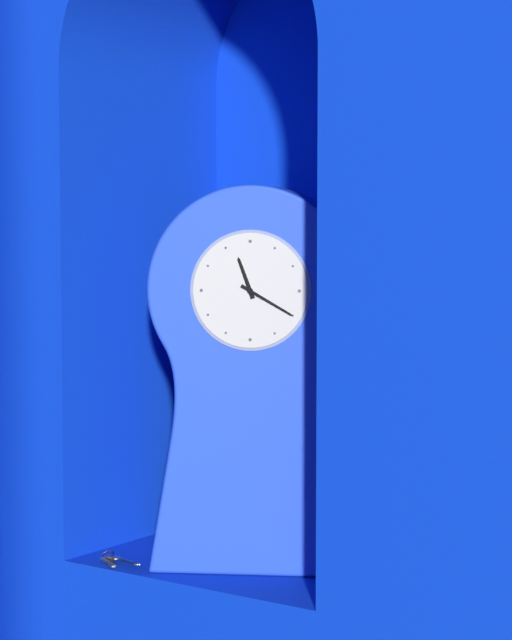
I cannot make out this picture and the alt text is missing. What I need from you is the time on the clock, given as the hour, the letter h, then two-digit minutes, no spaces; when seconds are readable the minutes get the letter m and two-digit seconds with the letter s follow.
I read 11h20
